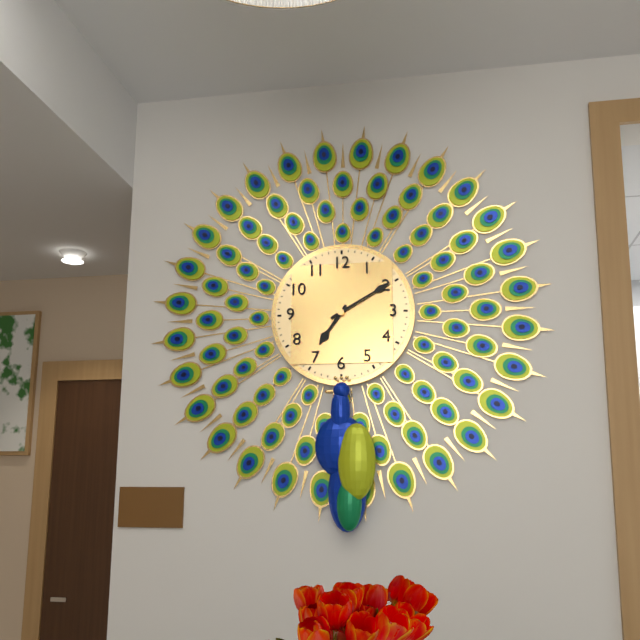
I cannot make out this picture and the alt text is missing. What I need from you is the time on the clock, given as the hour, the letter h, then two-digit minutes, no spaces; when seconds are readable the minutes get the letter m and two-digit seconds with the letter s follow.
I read 7h10
